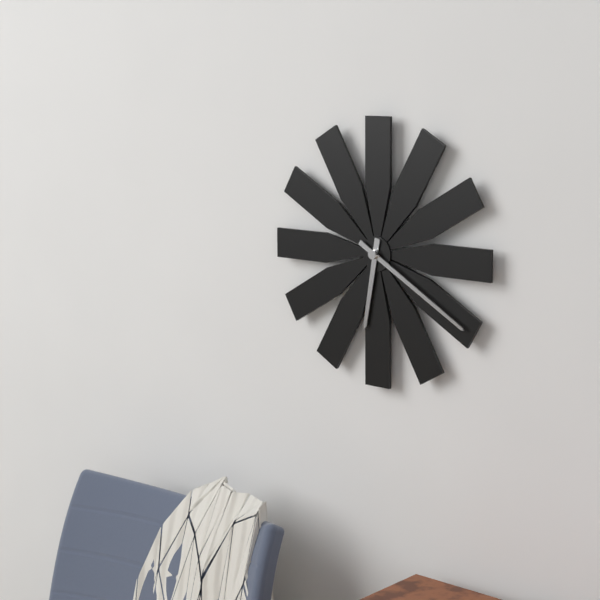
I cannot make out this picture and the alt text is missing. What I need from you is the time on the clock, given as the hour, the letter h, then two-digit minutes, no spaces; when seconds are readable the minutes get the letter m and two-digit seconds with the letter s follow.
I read 6h20
